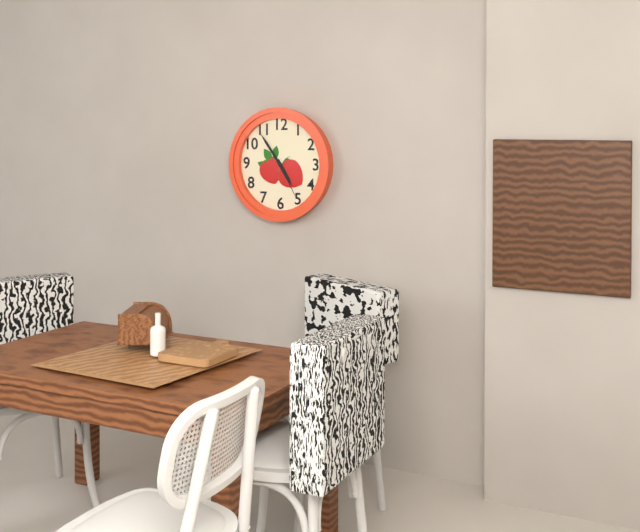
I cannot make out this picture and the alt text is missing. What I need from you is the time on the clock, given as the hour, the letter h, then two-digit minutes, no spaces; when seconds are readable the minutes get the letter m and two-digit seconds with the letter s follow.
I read 4h54
